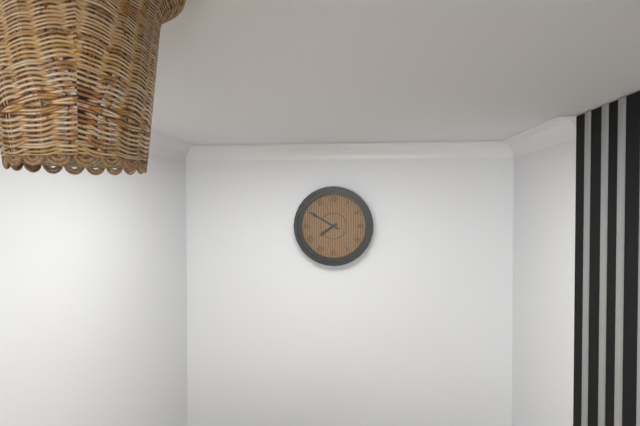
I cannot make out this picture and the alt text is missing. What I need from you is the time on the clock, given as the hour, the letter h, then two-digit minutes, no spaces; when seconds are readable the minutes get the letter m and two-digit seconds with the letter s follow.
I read 7h50
